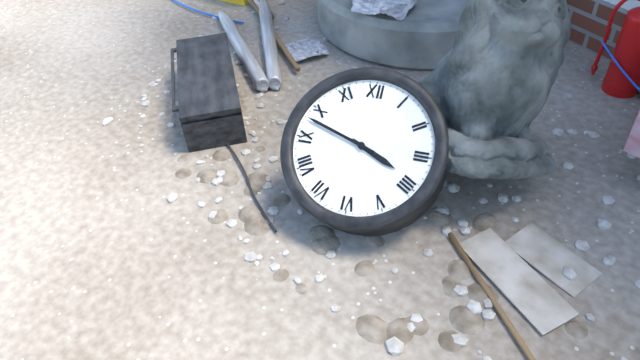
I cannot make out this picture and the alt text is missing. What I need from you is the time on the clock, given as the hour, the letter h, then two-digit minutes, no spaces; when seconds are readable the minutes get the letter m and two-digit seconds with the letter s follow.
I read 3h48
